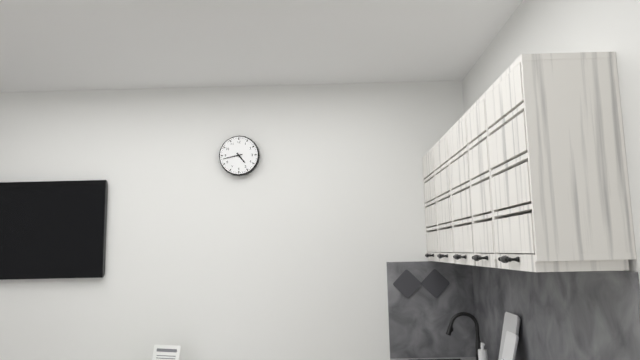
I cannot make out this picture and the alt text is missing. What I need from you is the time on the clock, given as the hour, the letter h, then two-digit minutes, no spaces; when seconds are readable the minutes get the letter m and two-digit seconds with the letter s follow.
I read 4h43
